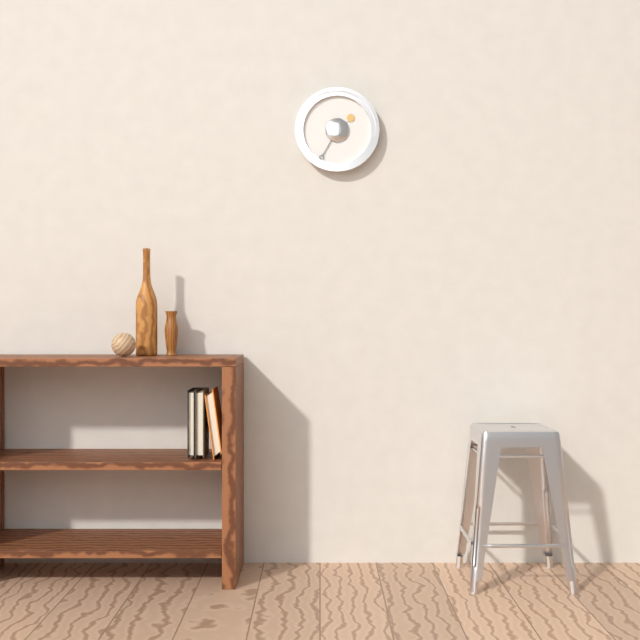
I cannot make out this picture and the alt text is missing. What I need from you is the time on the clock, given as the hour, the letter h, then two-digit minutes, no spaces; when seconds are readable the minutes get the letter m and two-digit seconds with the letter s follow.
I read 1h35
